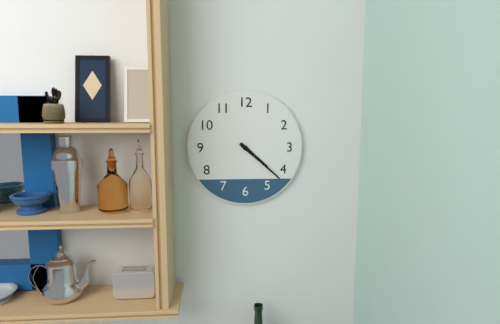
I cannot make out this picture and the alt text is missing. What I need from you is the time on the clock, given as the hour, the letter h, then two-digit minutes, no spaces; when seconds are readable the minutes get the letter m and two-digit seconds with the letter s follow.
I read 4h22
